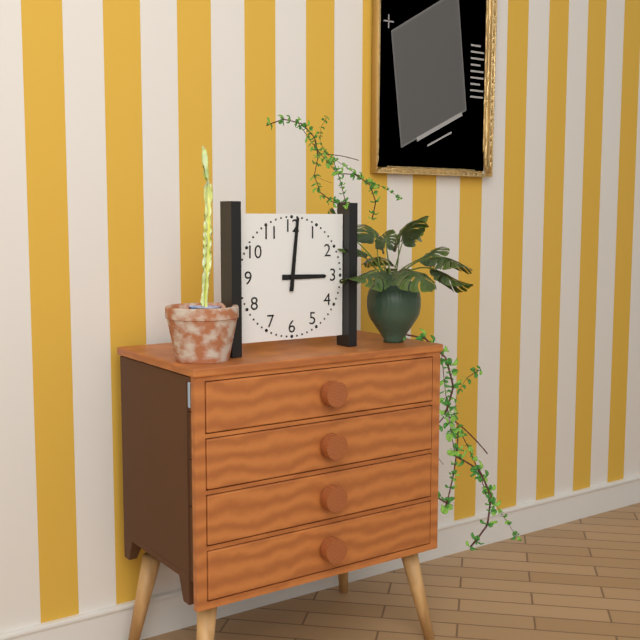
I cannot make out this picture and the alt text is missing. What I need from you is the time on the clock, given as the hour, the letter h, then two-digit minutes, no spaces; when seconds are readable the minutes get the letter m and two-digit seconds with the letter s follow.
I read 3h01
